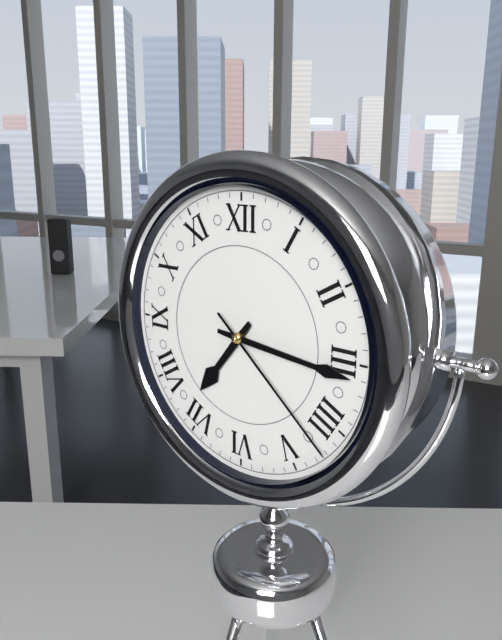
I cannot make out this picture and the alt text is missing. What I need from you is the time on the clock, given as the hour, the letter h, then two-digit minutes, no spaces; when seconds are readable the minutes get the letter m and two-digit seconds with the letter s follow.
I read 7h16m22s
